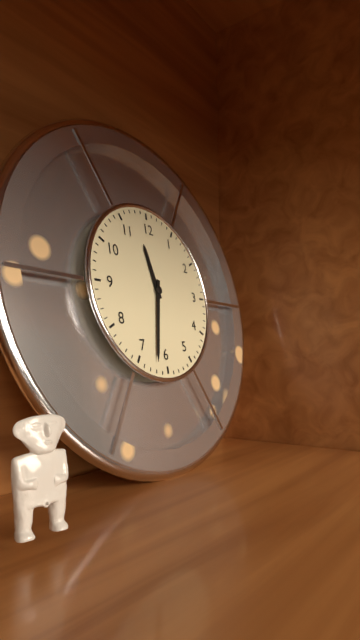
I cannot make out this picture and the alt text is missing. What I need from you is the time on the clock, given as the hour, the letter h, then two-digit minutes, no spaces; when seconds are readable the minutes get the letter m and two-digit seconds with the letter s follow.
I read 11h32
